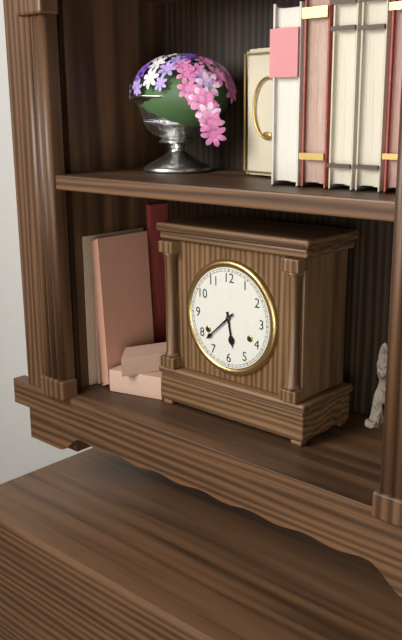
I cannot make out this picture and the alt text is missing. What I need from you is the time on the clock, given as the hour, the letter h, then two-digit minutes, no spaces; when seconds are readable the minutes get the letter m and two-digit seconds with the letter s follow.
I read 5h38
